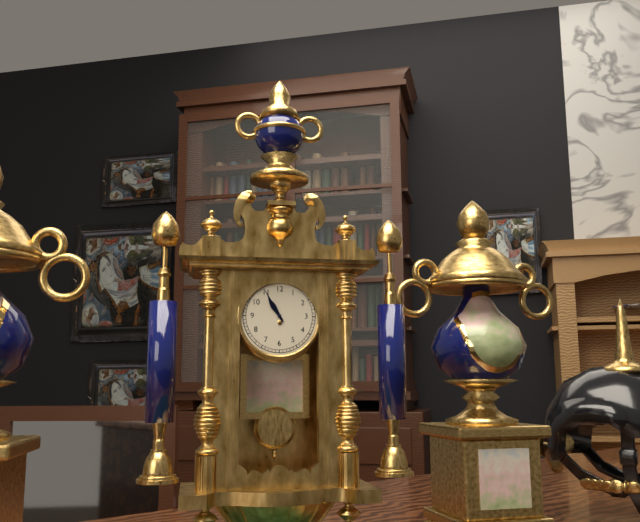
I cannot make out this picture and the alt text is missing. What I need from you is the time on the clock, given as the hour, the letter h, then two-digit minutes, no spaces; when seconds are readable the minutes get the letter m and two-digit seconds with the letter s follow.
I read 10h55
